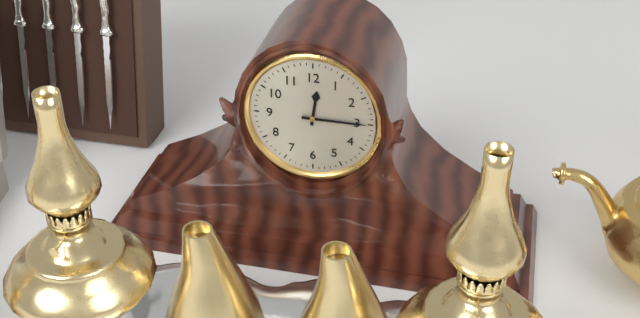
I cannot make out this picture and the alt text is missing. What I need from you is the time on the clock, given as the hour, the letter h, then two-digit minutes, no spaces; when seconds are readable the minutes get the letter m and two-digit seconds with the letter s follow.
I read 12h15
